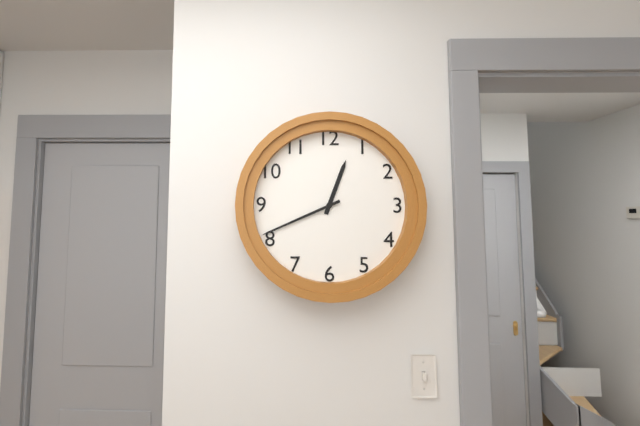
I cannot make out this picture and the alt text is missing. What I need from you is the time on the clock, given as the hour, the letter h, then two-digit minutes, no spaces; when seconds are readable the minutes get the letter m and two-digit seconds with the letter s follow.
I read 12h41
